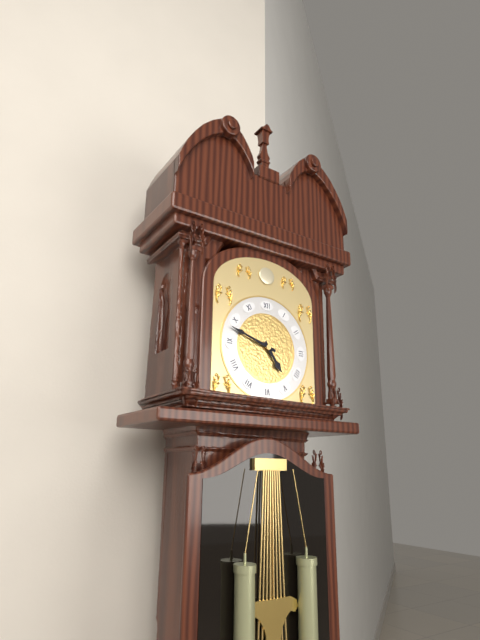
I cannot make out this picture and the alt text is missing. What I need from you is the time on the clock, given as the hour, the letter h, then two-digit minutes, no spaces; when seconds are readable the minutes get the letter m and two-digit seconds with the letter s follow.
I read 4h48
